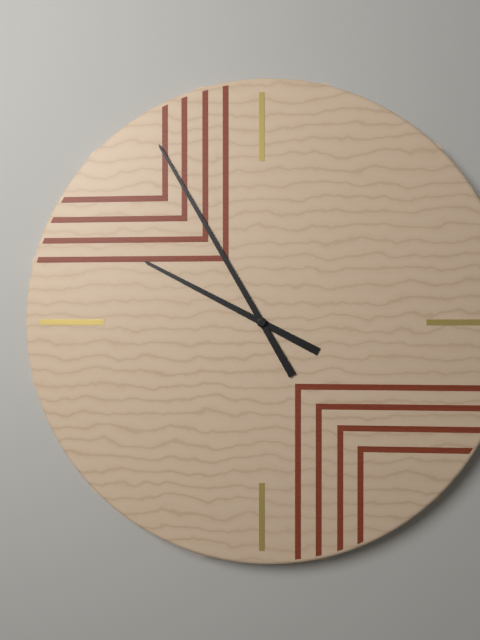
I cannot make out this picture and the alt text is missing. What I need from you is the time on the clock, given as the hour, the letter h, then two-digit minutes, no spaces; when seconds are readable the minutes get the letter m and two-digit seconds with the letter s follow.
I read 9h55
